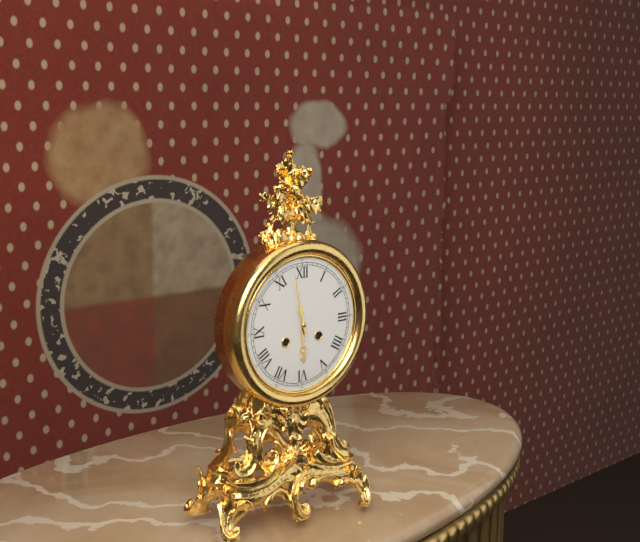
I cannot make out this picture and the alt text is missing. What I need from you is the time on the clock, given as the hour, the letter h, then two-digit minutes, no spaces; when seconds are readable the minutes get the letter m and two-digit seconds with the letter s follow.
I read 5h58
